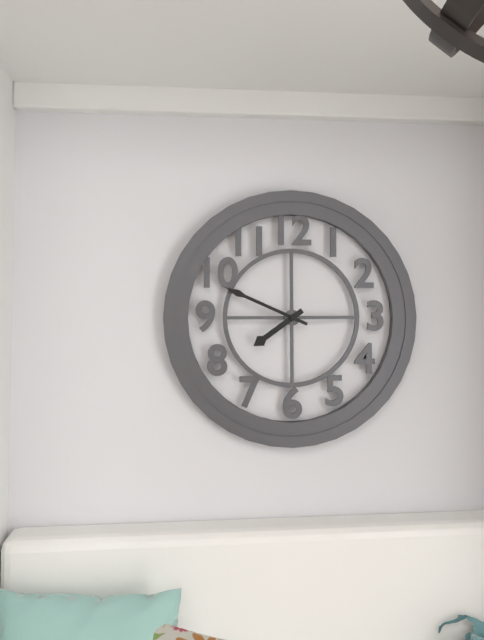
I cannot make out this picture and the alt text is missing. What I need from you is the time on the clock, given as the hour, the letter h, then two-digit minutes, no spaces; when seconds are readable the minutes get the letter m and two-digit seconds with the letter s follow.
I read 7h49
